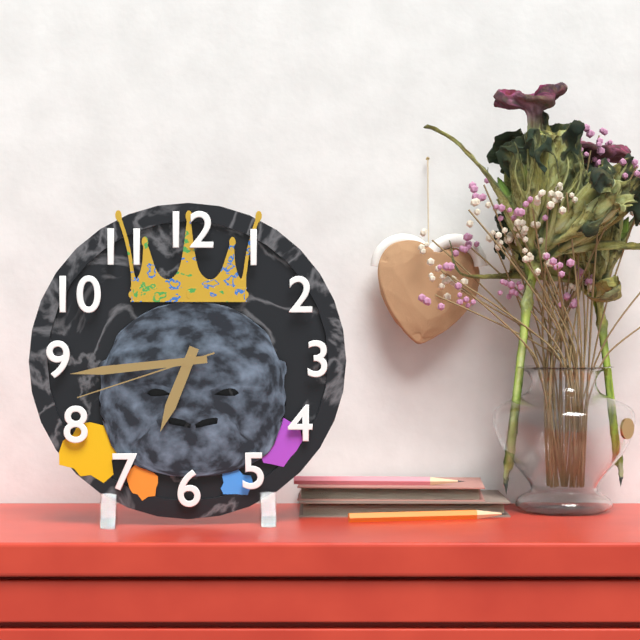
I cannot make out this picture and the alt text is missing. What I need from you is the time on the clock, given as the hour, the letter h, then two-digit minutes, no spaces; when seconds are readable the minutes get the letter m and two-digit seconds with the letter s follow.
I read 6h44m42s
